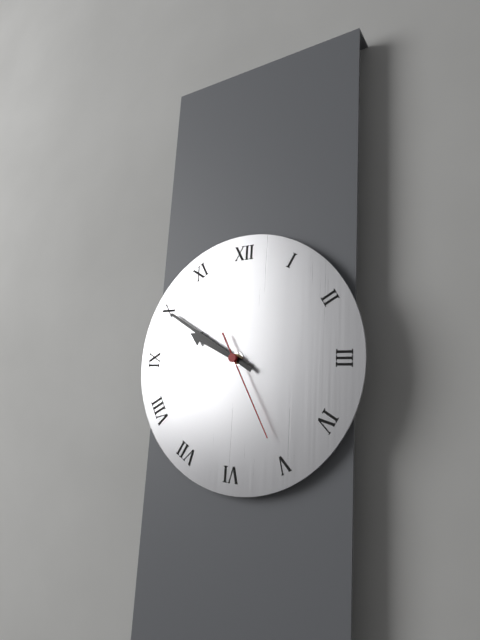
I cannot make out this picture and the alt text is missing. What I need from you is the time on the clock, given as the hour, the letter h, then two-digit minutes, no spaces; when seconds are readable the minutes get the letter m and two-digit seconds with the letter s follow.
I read 9h50m25s
